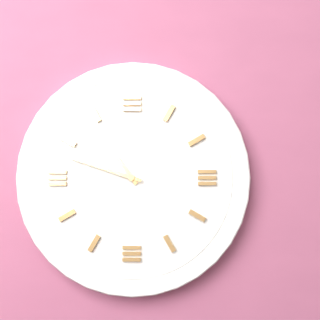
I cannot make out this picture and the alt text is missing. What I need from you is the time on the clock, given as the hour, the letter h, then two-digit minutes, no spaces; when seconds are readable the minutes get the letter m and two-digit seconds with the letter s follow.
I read 10h48
